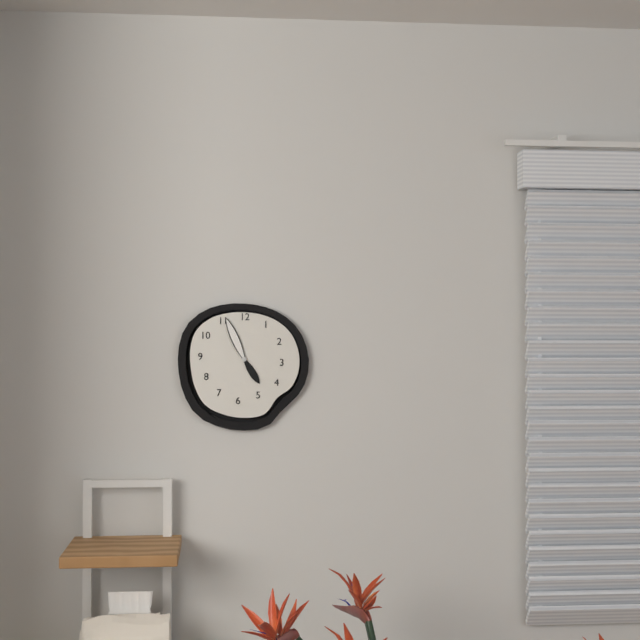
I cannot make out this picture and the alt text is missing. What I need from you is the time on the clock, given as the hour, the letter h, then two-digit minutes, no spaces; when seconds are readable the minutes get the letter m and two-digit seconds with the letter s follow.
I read 4h56
